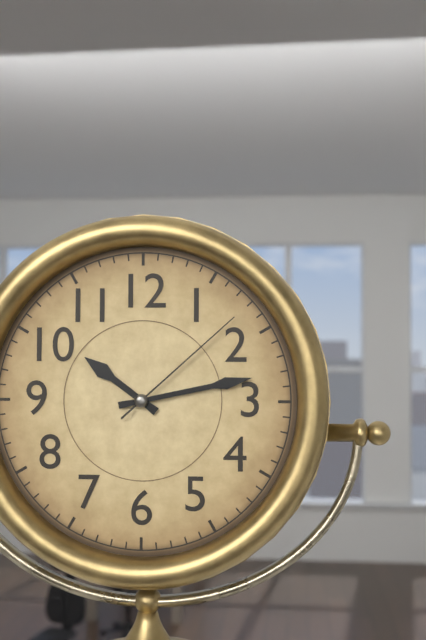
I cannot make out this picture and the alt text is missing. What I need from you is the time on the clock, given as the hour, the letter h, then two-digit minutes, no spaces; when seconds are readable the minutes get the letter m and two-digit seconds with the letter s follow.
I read 10h13m08s
